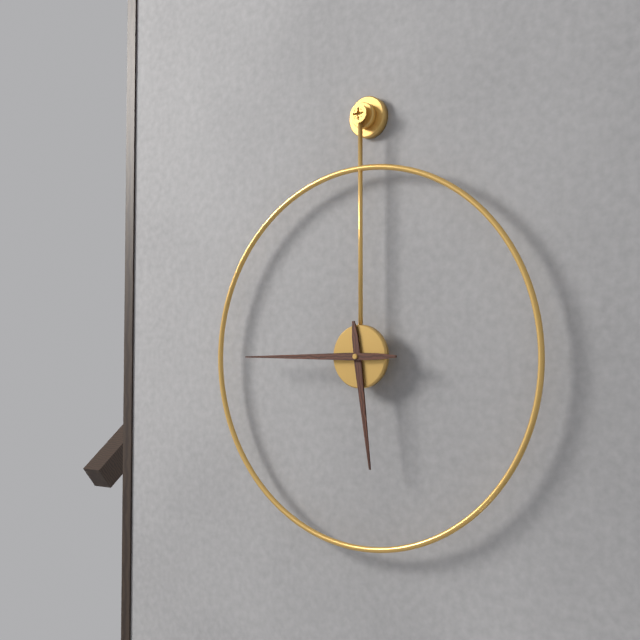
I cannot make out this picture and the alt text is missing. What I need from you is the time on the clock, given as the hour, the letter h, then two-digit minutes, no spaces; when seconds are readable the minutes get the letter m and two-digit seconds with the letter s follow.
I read 5h45
